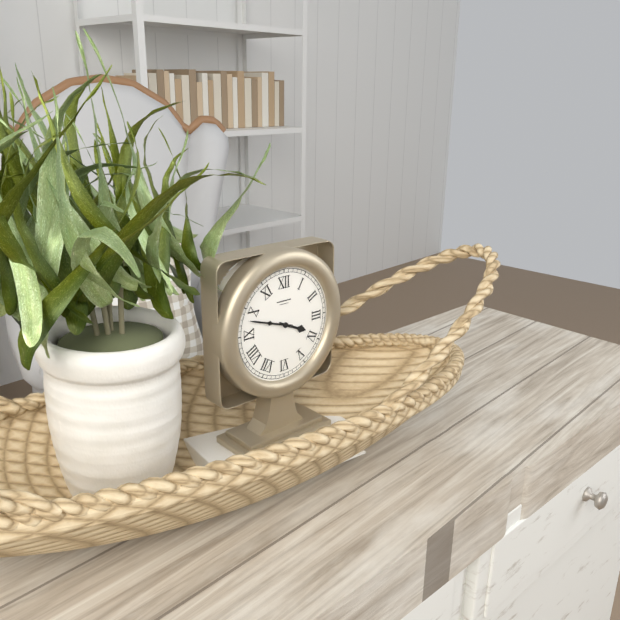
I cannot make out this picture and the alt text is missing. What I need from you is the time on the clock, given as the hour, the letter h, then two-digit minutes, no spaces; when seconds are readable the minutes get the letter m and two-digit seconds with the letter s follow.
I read 3h48
